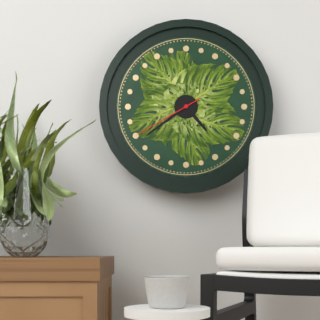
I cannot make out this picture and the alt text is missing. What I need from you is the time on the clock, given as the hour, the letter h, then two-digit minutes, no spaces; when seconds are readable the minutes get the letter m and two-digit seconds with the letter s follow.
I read 4h39m40s
